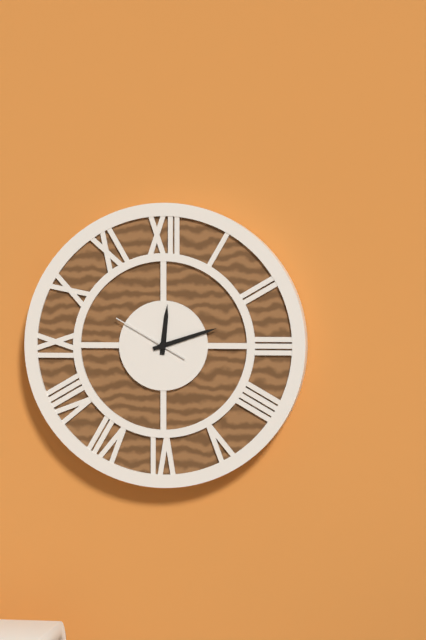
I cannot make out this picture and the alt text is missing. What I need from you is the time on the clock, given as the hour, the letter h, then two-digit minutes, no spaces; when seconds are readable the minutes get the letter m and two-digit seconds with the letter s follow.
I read 12h12m50s
